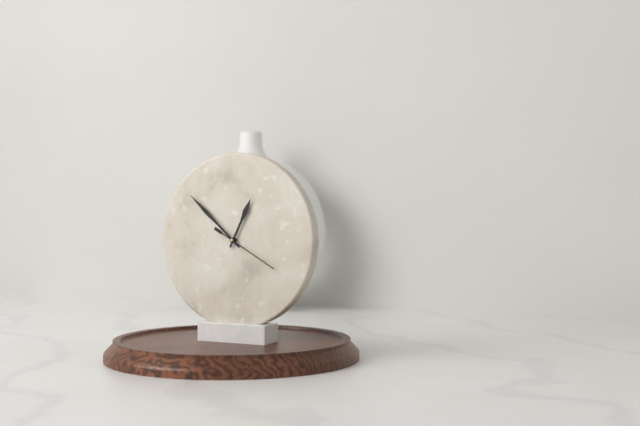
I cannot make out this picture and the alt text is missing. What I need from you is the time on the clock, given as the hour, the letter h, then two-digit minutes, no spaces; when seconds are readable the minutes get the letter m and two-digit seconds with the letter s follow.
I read 12h52m20s
